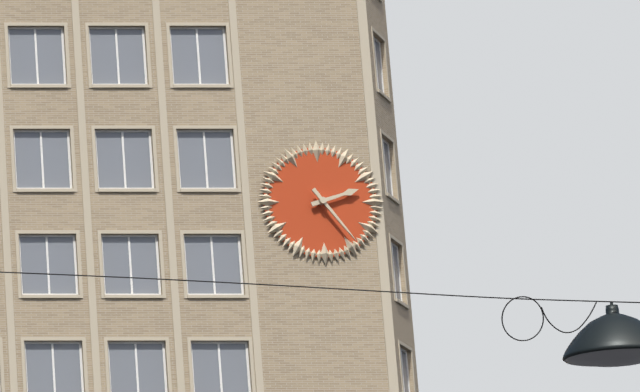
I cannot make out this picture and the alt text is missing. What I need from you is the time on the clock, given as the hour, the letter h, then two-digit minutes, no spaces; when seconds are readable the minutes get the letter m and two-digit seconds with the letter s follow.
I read 2h24
